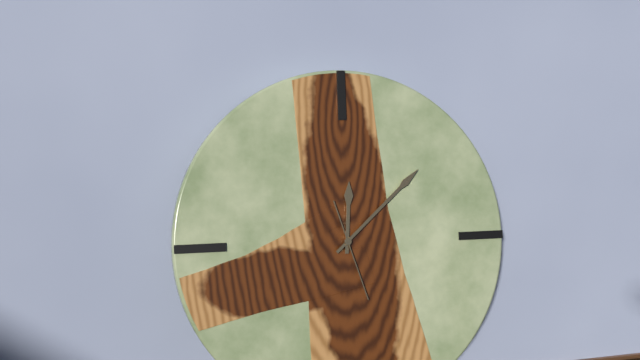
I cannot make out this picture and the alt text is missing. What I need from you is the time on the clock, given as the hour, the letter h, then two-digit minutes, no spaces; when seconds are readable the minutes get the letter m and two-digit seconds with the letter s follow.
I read 12h08m27s
